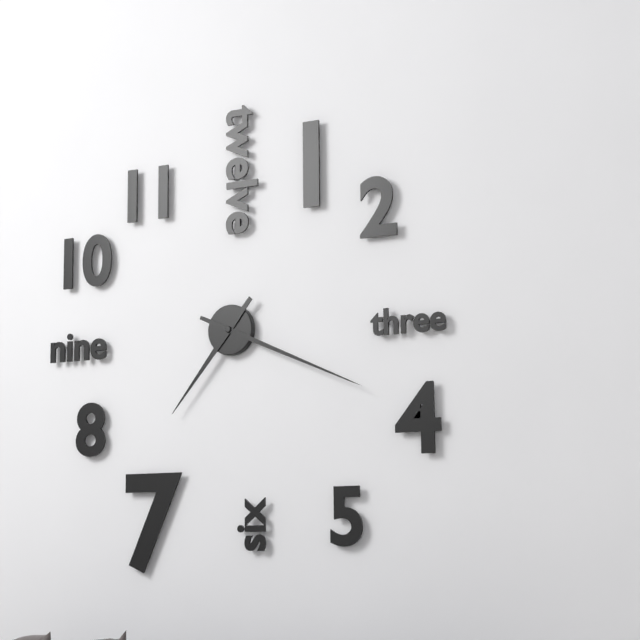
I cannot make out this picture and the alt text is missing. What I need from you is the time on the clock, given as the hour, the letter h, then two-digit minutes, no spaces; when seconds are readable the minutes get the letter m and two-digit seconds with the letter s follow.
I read 7h19
